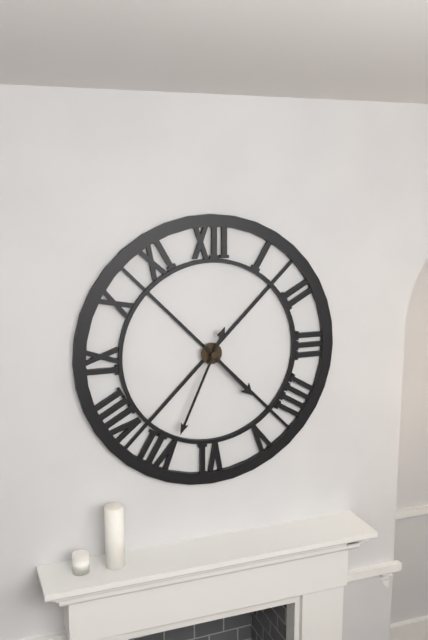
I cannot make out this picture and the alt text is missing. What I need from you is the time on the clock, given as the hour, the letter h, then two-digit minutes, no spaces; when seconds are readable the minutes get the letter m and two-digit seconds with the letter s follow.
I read 4h34
